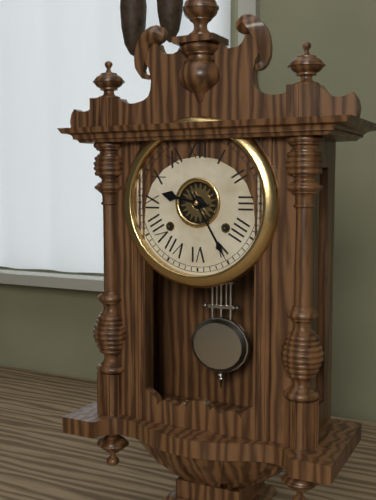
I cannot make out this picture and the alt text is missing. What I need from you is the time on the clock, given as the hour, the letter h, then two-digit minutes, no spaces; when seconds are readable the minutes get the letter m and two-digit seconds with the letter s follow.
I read 9h25
